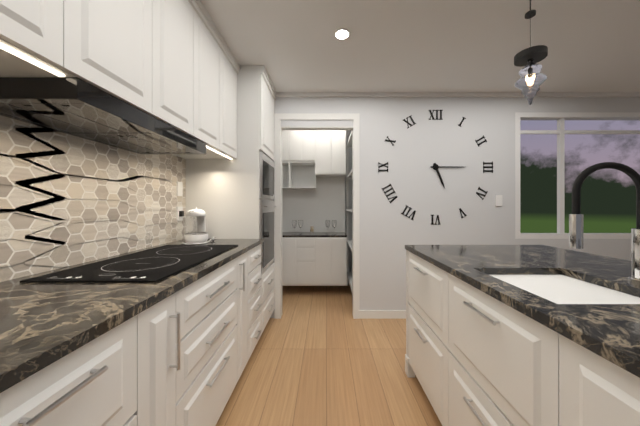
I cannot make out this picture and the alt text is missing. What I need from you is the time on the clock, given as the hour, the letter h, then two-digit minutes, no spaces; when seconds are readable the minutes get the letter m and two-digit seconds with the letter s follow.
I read 5h15
